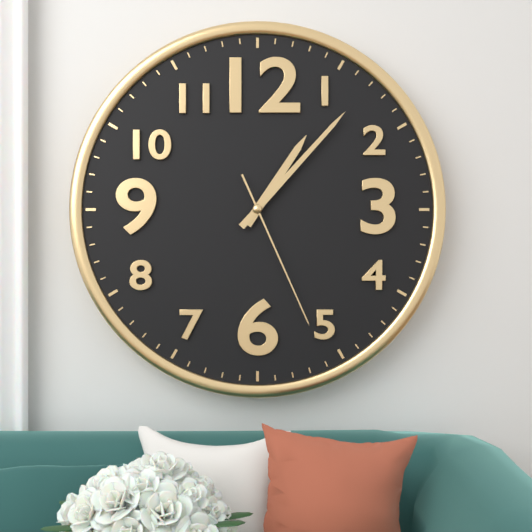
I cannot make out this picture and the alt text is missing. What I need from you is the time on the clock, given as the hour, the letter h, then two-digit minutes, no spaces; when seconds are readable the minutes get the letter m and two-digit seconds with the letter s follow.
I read 1h07m26s
